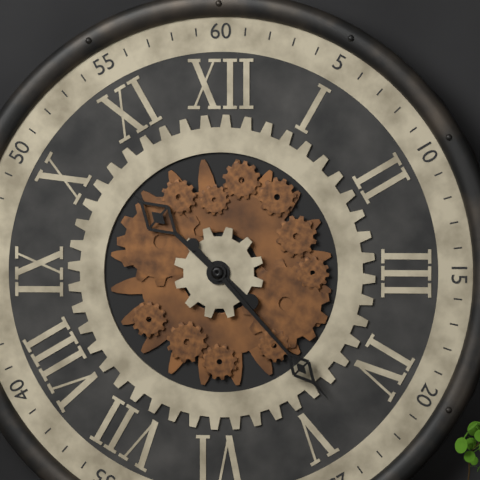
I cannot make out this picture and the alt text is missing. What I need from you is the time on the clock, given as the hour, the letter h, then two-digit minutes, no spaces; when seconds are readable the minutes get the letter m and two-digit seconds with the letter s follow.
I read 10h23
